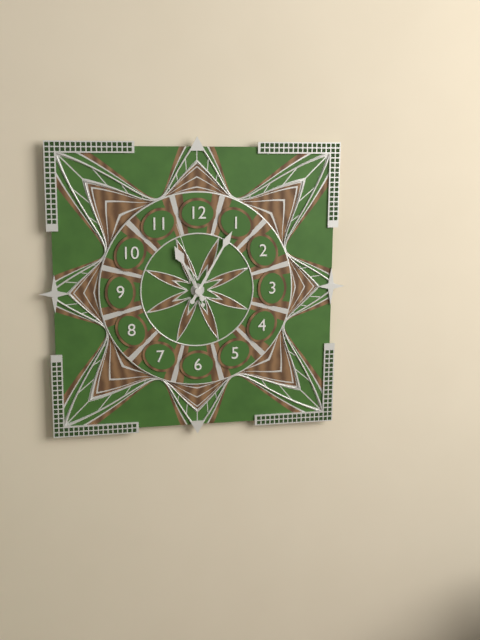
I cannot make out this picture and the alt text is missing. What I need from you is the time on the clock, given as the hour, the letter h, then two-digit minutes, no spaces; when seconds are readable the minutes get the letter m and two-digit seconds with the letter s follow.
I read 11h05m57s
